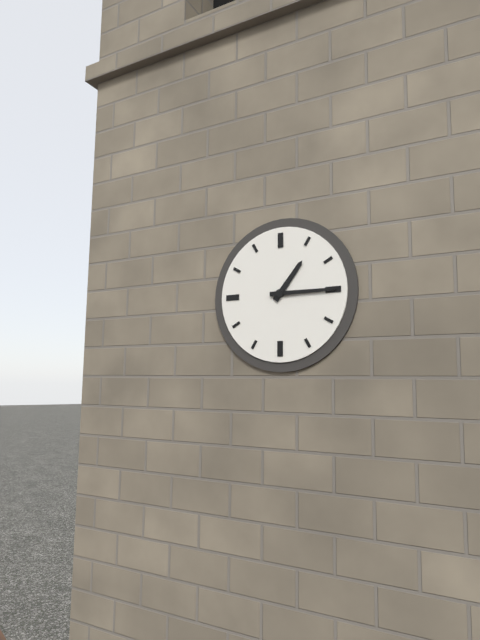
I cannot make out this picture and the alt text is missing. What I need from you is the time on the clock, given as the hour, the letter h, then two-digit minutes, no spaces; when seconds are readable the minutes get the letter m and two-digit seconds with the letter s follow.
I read 1h15
